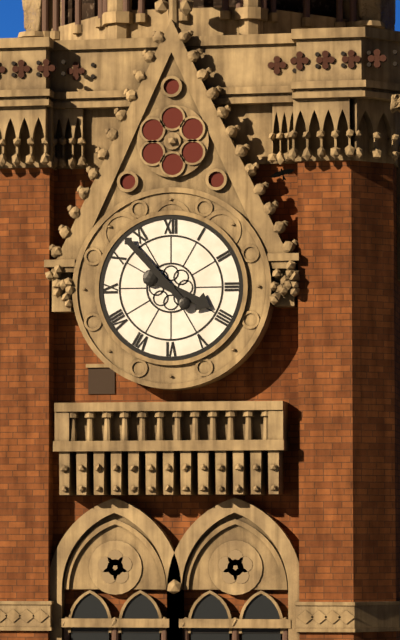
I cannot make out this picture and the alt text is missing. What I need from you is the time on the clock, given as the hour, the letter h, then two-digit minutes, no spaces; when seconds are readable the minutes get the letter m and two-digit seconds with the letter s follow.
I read 3h53
